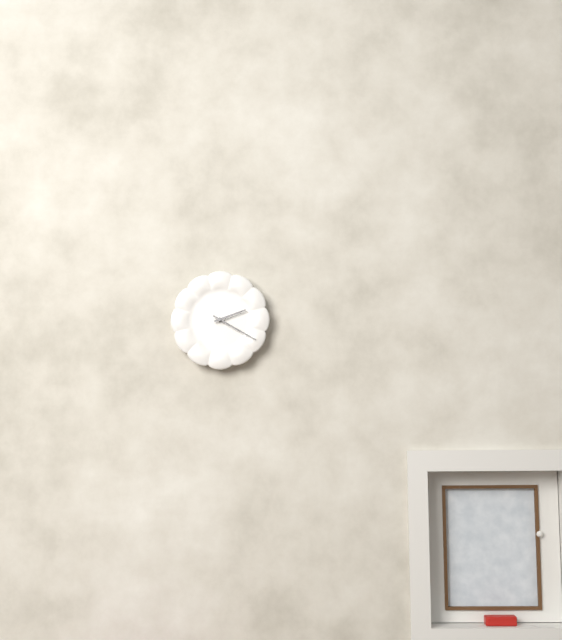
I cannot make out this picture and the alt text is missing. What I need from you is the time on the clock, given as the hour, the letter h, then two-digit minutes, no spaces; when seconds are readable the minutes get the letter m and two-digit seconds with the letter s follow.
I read 2h20
